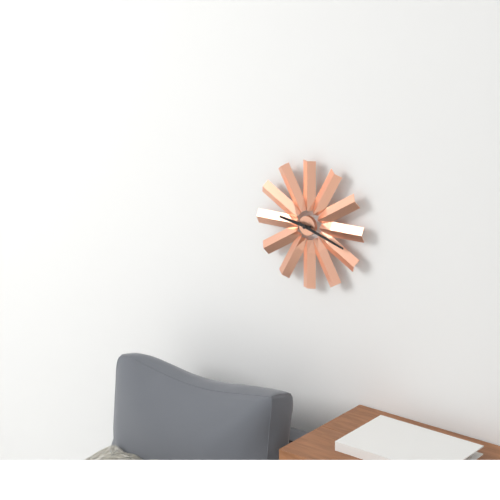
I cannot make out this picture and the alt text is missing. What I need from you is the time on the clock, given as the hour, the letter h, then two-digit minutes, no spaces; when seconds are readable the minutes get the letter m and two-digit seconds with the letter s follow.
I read 9h18
